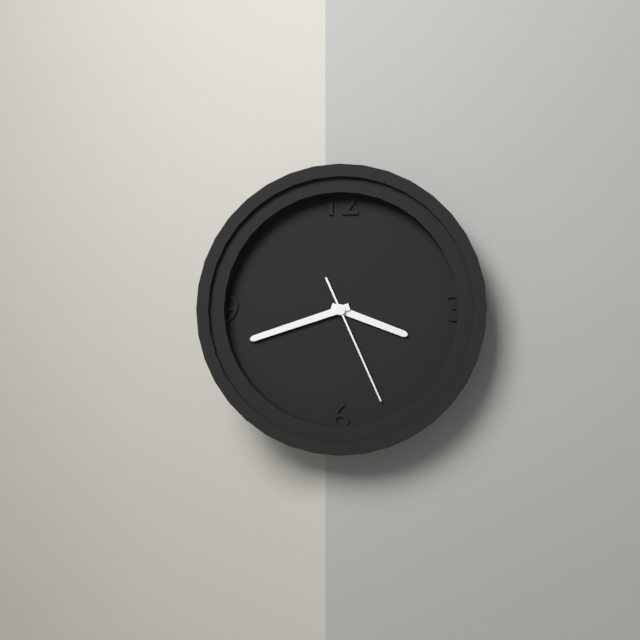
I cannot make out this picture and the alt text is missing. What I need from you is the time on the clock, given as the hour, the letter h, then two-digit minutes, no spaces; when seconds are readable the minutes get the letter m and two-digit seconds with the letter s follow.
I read 3h42m26s
